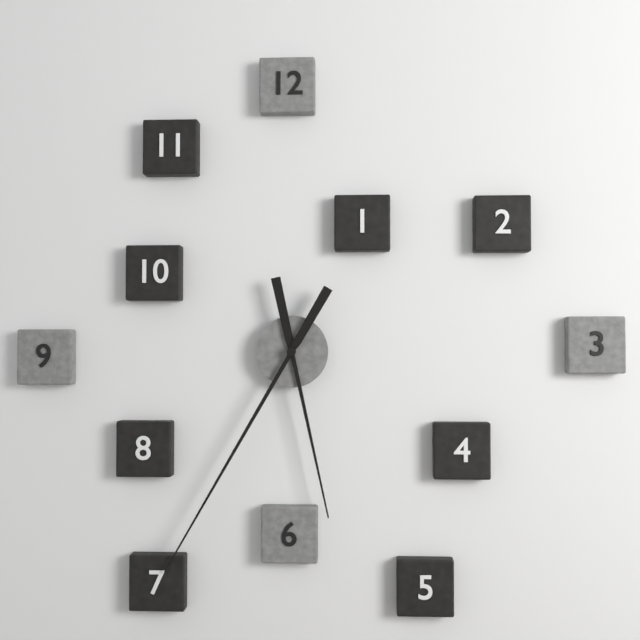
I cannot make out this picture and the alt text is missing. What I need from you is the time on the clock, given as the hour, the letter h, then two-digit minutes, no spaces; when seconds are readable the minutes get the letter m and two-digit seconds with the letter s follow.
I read 5h35
